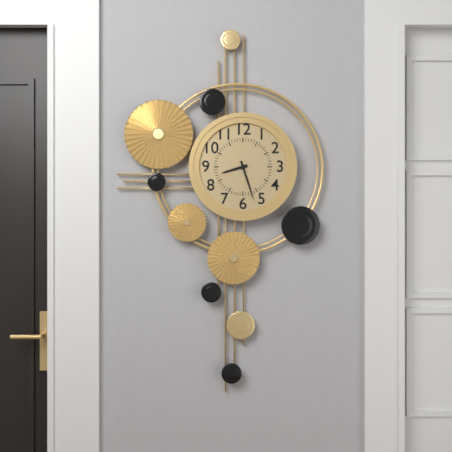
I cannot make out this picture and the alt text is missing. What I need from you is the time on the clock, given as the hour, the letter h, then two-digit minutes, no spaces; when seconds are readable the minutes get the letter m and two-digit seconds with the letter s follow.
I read 8h27
